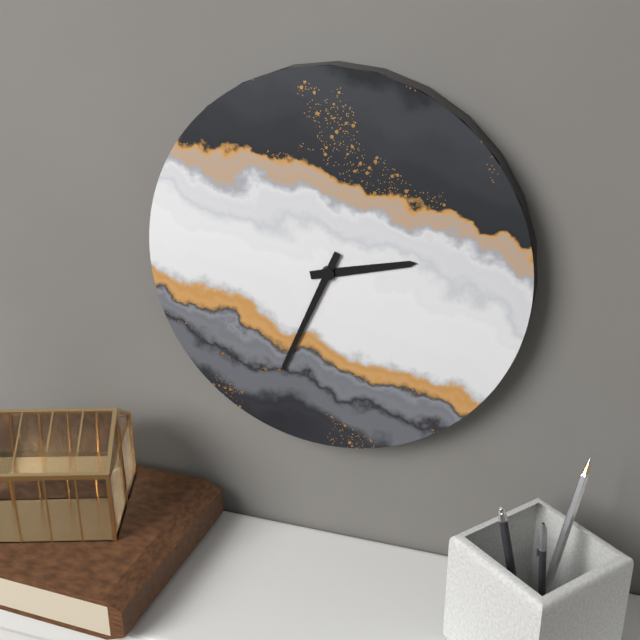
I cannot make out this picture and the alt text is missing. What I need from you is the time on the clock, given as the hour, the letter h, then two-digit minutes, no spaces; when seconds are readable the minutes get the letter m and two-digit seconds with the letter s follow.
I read 2h34
